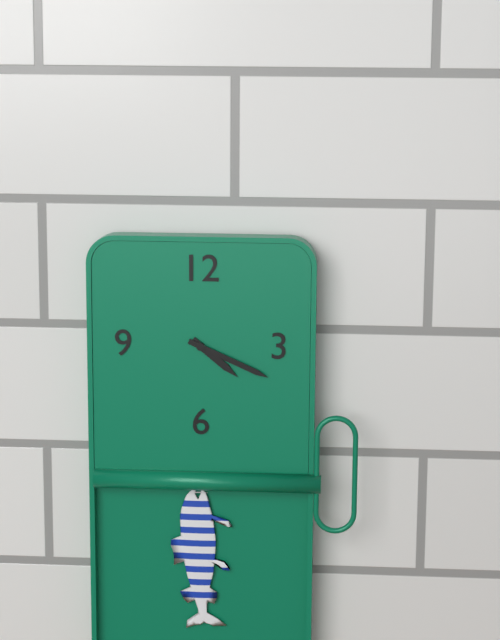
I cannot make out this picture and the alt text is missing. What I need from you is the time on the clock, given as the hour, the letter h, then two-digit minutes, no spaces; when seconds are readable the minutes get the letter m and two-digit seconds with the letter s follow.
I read 4h19
